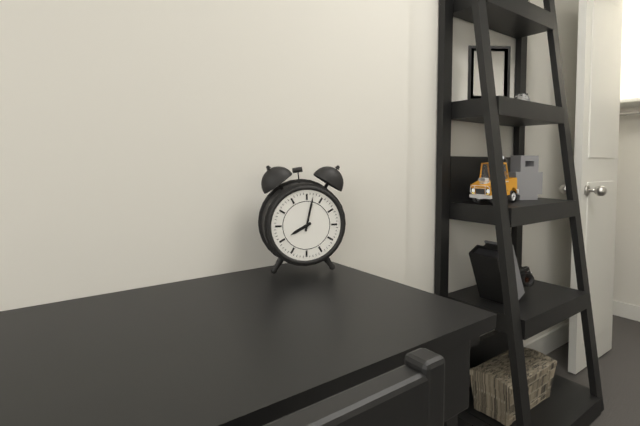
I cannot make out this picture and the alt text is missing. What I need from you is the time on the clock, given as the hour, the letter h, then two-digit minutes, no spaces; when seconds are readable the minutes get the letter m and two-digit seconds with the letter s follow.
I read 8h02
